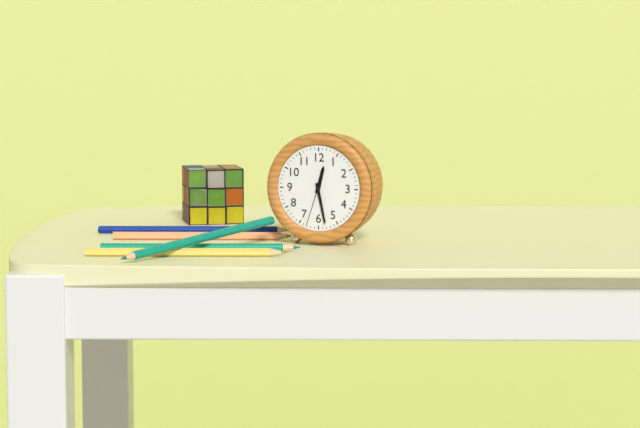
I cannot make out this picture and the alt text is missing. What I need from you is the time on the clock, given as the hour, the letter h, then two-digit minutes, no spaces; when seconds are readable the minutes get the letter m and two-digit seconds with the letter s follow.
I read 12h28
